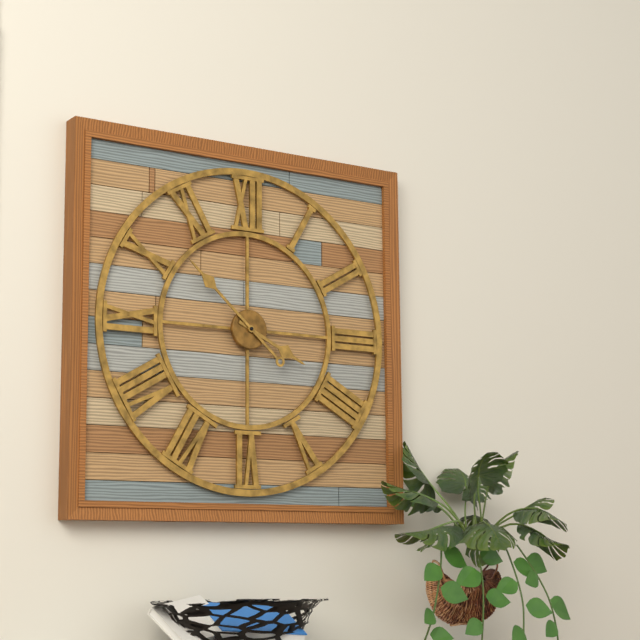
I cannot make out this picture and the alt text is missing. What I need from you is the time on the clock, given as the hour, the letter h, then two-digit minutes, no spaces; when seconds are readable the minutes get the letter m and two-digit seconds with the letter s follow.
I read 3h52
